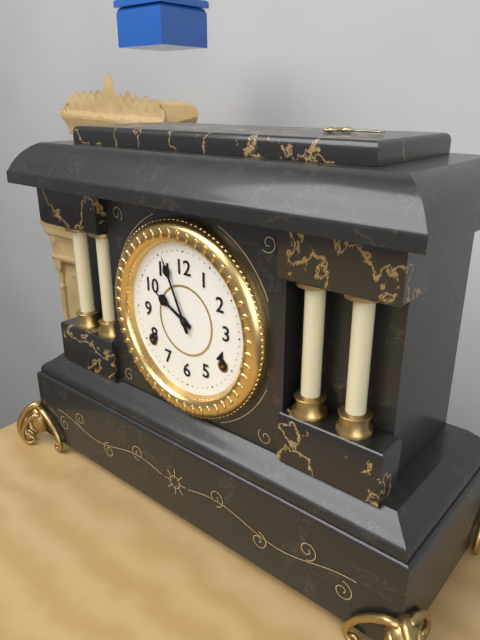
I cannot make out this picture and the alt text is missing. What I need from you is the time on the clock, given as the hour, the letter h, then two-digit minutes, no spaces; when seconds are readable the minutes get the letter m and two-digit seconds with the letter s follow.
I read 9h56
